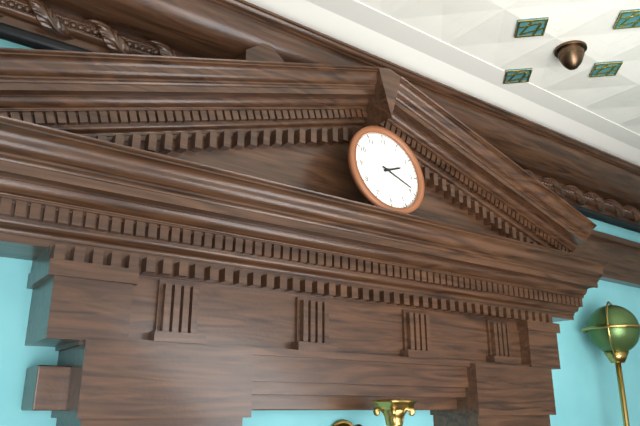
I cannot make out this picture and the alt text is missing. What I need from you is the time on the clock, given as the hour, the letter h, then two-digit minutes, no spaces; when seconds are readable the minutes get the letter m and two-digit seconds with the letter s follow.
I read 2h19
